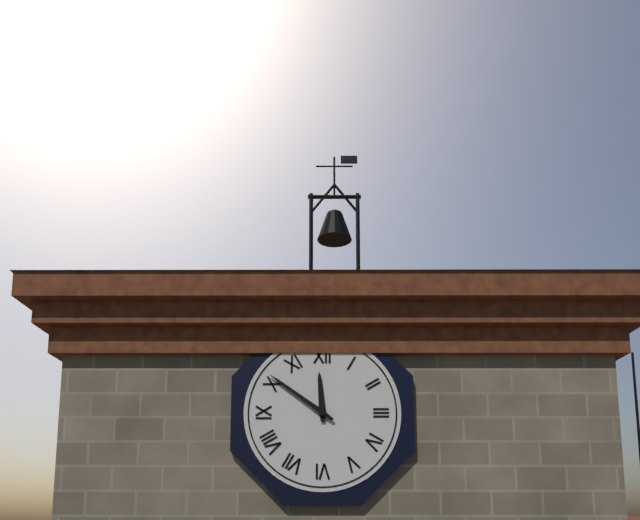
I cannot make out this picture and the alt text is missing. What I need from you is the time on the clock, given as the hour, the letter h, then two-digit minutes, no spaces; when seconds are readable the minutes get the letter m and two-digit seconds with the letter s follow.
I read 11h51
